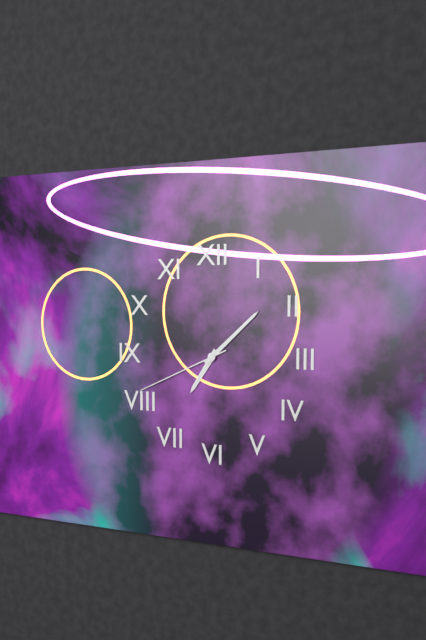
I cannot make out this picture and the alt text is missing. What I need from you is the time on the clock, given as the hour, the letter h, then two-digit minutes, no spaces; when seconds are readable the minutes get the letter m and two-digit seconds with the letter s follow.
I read 7h08m41s
